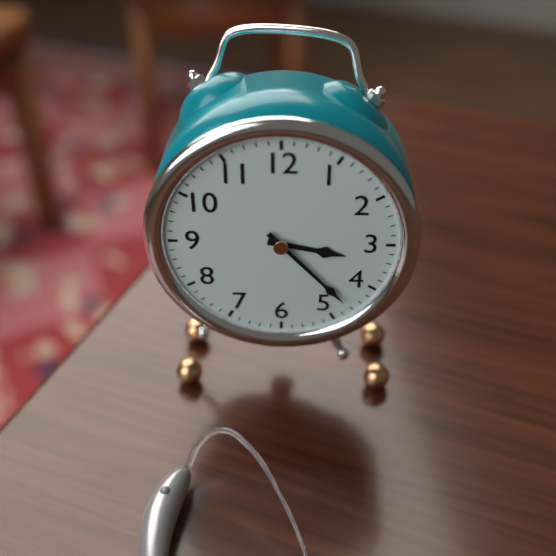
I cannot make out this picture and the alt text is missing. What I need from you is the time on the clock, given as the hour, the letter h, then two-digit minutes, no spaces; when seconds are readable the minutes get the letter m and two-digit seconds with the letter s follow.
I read 3h23
